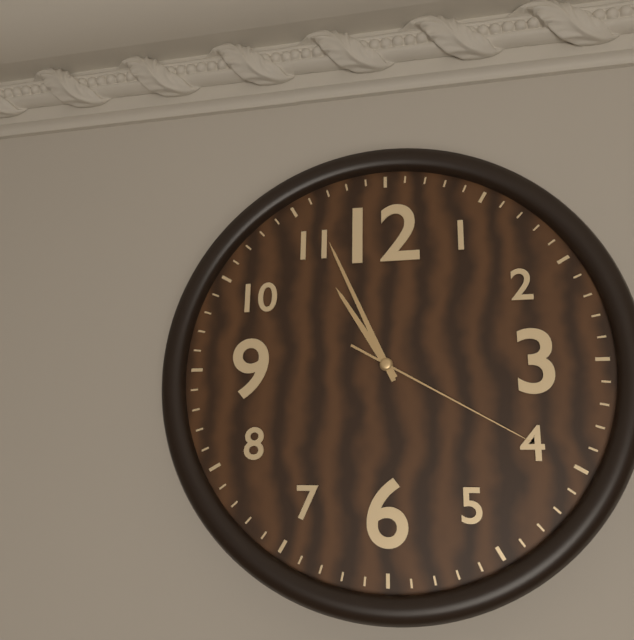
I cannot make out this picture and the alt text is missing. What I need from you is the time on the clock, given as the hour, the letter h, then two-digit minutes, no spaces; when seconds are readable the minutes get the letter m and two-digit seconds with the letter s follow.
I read 10h56m20s
